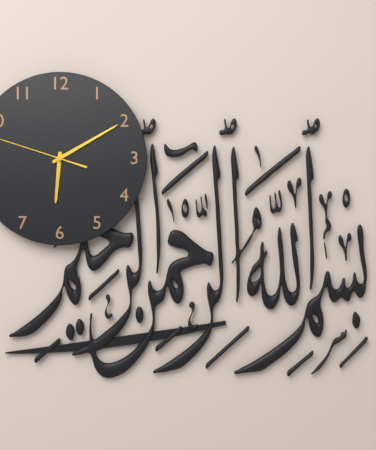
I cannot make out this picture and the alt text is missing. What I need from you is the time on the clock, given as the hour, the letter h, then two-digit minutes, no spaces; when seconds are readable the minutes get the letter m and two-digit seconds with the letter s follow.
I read 6h10
